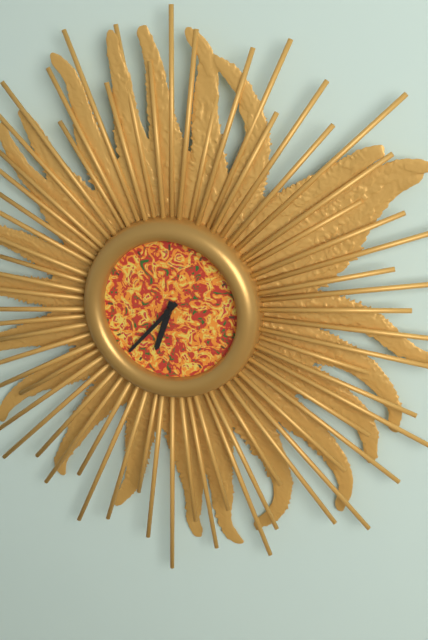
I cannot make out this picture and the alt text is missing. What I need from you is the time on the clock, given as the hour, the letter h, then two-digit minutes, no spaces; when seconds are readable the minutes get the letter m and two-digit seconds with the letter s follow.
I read 6h37
